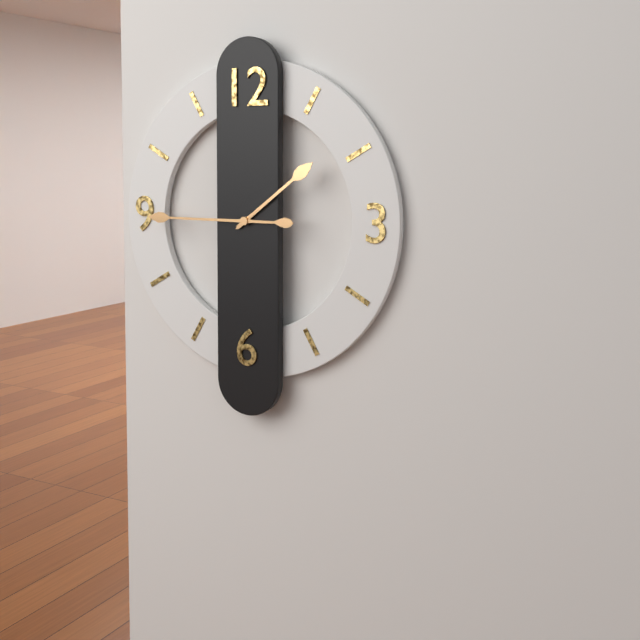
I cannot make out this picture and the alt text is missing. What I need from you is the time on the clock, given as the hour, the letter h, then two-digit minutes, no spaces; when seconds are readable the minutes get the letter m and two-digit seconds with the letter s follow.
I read 1h45
